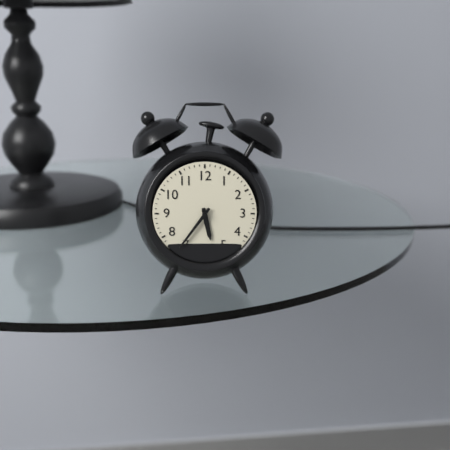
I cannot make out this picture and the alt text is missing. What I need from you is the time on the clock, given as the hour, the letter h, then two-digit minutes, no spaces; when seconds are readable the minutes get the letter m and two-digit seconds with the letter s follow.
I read 5h36
